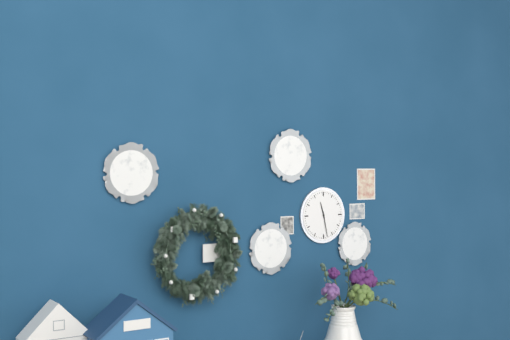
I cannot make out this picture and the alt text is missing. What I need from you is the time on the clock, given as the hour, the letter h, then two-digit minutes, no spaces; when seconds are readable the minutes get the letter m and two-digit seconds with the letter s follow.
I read 11h28
